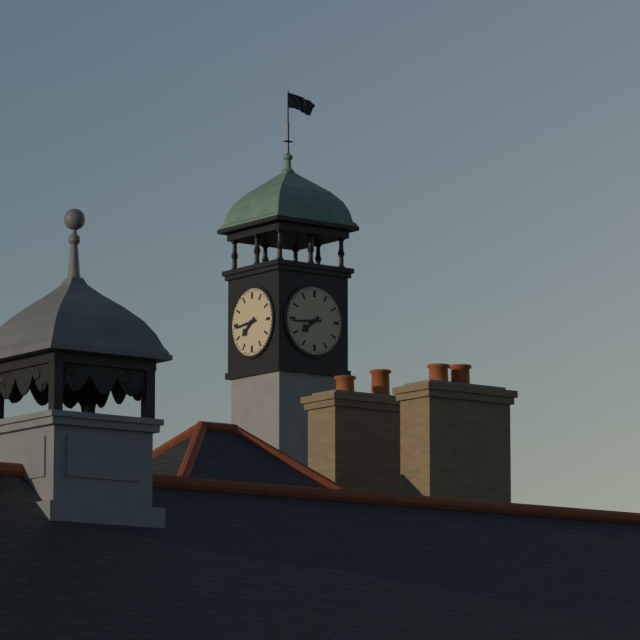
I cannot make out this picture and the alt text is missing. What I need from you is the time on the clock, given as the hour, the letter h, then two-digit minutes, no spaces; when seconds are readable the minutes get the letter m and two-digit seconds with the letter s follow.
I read 7h44
